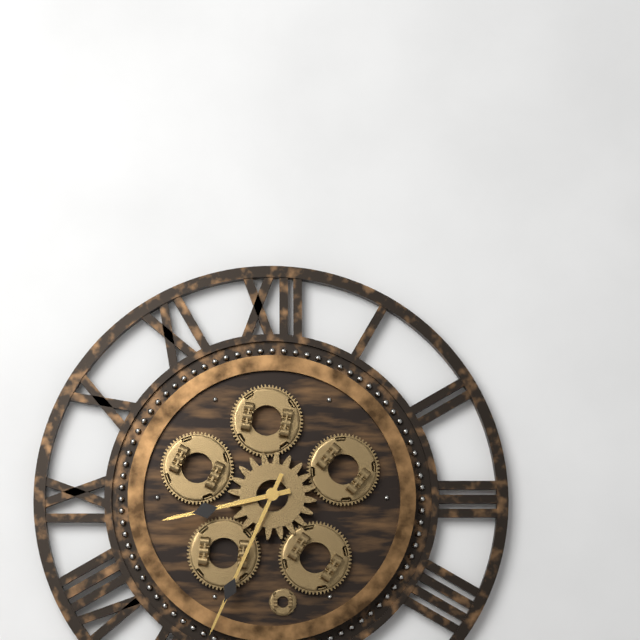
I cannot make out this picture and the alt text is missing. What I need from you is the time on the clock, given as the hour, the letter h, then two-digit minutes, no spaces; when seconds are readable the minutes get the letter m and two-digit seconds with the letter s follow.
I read 8h34
